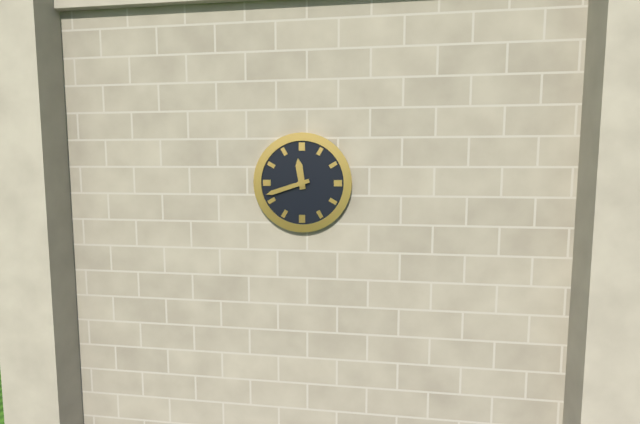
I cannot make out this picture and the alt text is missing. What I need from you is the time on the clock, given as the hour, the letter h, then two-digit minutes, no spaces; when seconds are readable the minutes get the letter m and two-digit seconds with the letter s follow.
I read 11h42
